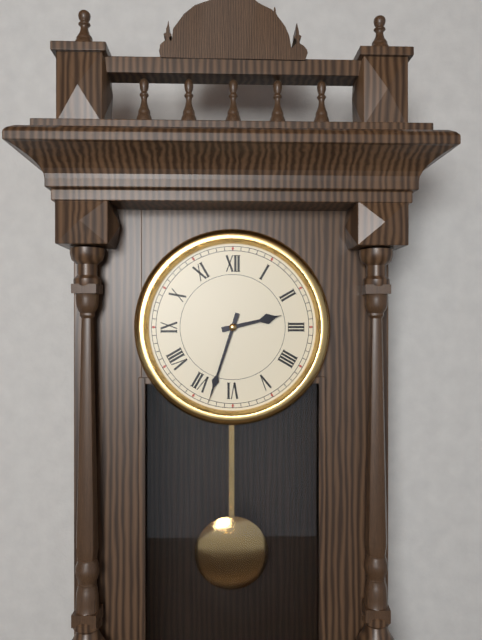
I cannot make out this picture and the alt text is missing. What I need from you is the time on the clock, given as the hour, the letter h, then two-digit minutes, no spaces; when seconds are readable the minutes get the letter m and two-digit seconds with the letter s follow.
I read 2h33
